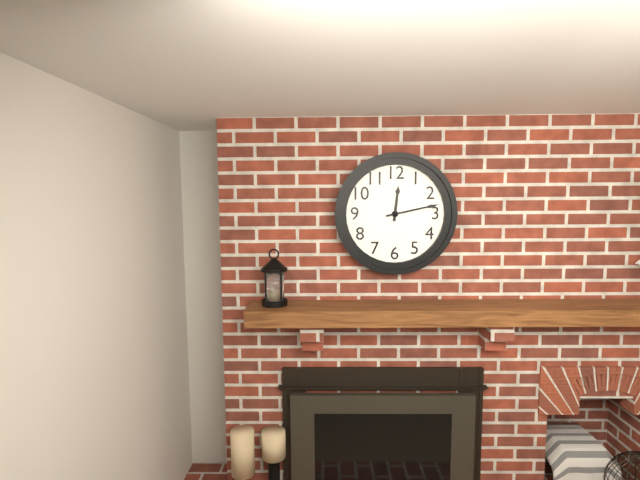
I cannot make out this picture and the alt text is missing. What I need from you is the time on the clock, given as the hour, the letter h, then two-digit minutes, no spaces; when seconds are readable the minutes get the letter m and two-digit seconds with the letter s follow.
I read 12h13
